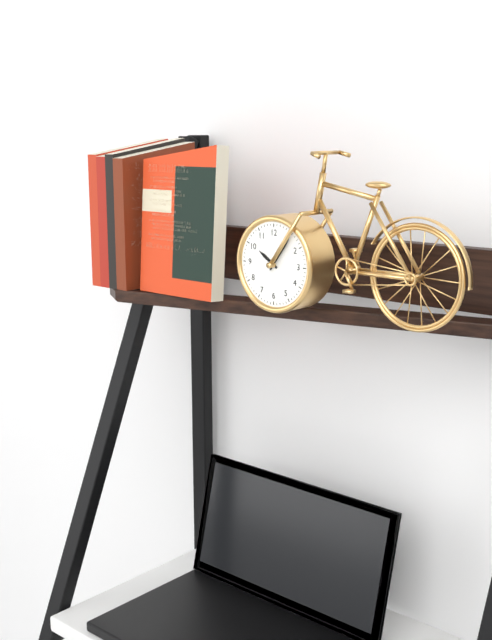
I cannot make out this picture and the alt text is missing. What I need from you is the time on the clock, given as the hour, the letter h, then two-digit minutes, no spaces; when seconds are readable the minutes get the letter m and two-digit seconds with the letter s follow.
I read 10h06
